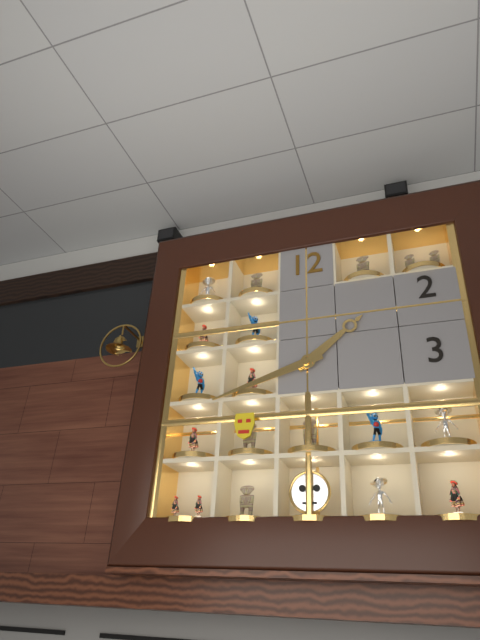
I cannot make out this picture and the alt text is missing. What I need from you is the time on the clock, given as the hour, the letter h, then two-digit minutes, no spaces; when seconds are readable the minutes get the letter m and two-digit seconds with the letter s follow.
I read 1h42
